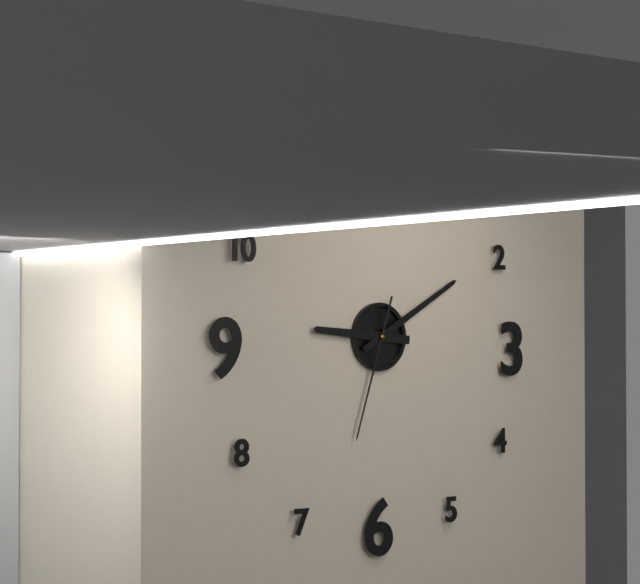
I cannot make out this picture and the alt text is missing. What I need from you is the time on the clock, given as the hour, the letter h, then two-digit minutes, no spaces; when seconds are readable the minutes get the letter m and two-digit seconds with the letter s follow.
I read 9h10m33s
